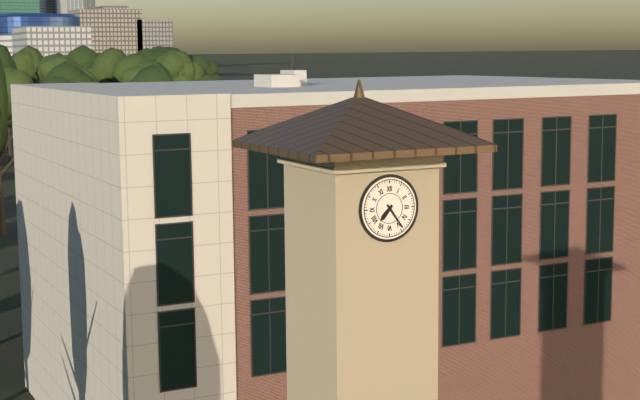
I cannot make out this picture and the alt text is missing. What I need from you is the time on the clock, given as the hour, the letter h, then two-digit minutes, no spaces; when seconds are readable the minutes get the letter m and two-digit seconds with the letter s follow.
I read 7h24
